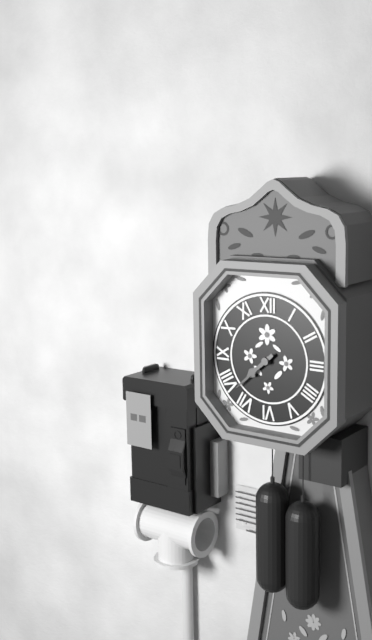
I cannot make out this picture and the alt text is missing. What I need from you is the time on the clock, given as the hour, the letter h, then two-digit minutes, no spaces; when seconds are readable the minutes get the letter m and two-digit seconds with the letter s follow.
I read 7h38
